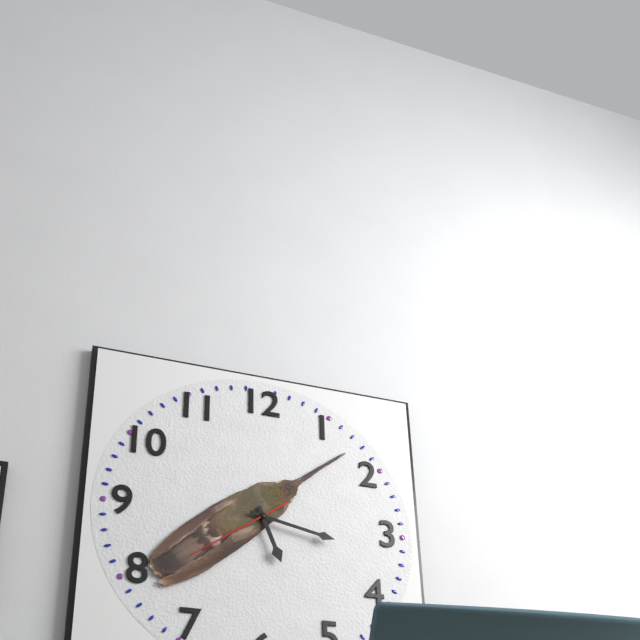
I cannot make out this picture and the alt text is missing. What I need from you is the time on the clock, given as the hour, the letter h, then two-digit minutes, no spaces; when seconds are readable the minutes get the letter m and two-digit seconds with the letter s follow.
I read 5h17m39s
